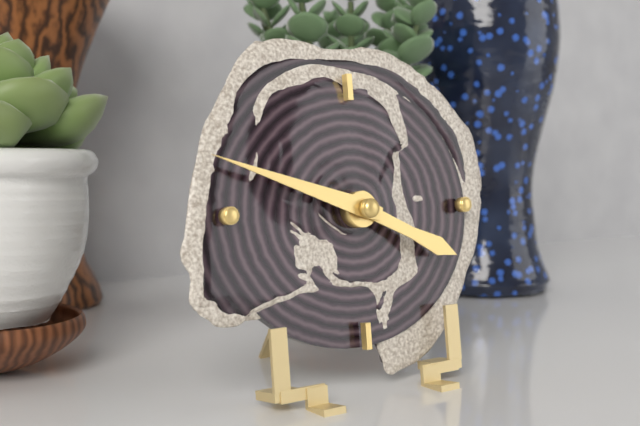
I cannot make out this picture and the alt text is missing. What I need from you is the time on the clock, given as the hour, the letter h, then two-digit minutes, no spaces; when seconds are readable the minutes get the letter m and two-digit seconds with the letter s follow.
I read 3h48
